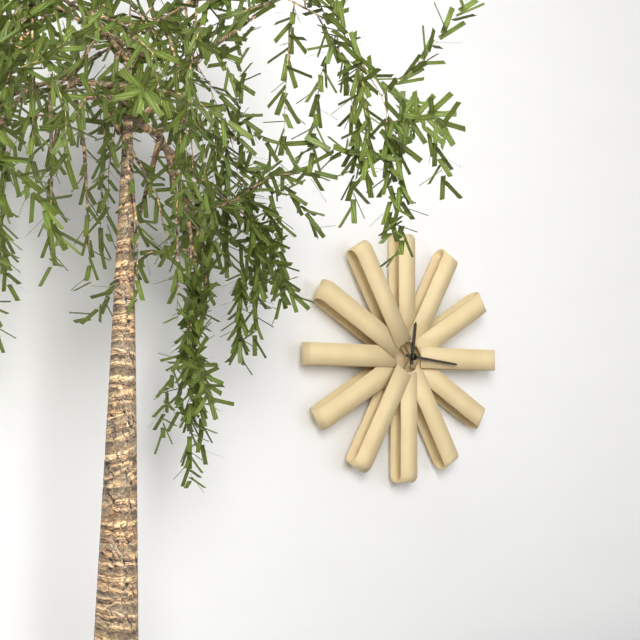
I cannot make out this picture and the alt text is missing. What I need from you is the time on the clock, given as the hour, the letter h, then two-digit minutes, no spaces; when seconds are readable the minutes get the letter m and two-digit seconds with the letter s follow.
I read 12h16
